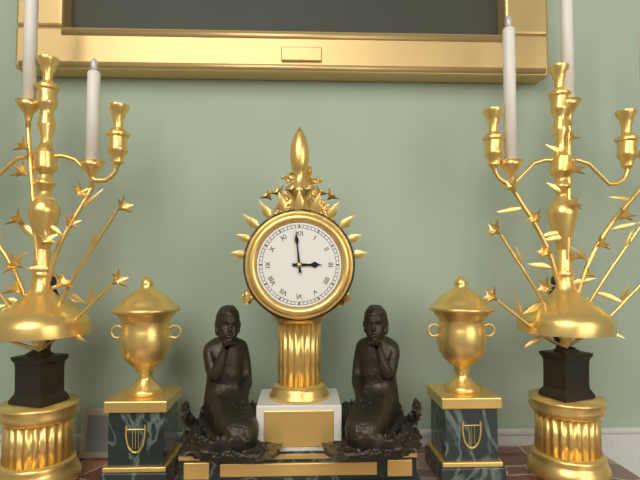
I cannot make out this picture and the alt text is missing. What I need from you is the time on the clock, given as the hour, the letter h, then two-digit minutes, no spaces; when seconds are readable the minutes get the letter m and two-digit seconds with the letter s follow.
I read 2h59
